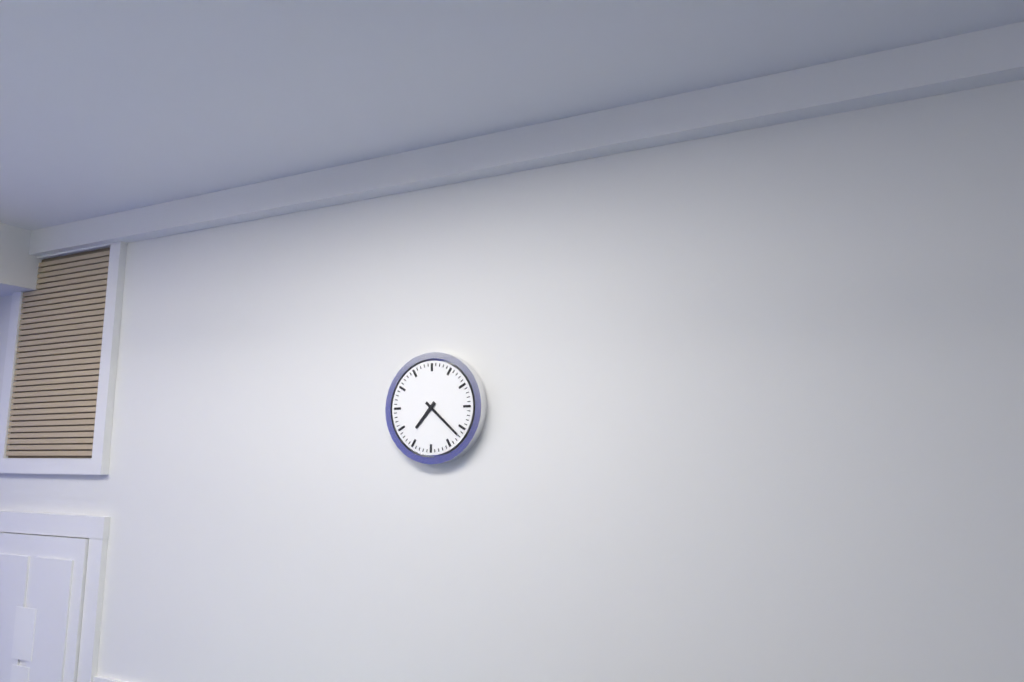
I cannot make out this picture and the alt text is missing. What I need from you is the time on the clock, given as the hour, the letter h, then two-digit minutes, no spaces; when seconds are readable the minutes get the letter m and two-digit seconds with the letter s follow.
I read 7h22
